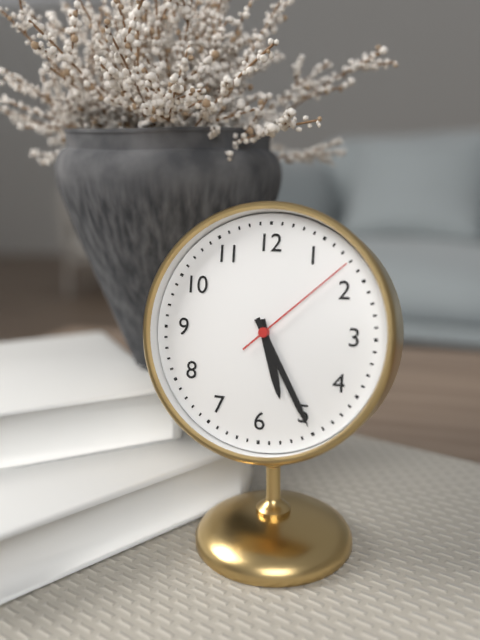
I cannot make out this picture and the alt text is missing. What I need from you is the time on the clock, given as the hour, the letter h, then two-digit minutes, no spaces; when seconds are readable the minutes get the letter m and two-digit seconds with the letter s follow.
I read 5h25m08s
